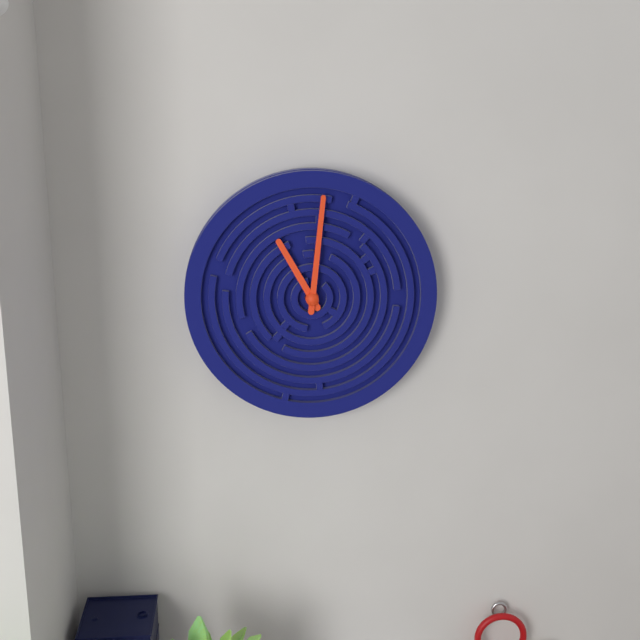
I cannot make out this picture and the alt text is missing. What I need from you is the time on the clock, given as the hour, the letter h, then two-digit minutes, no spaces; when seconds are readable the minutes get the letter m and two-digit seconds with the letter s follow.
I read 11h01
